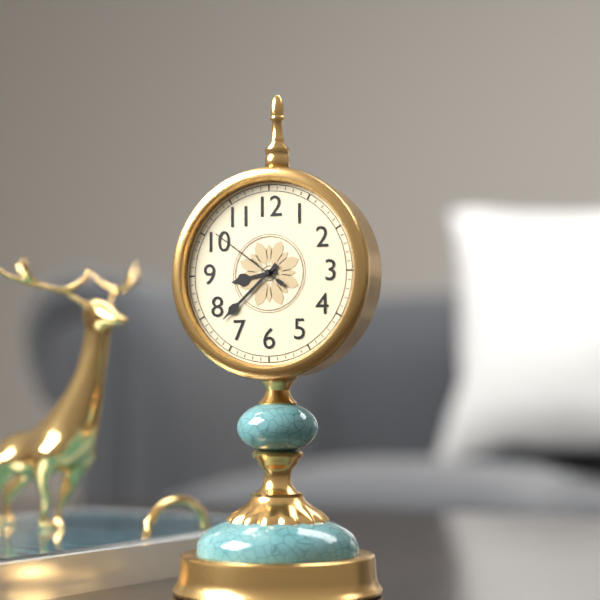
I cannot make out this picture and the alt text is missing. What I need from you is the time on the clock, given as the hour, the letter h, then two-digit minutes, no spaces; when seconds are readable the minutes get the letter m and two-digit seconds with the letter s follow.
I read 8h38m51s
